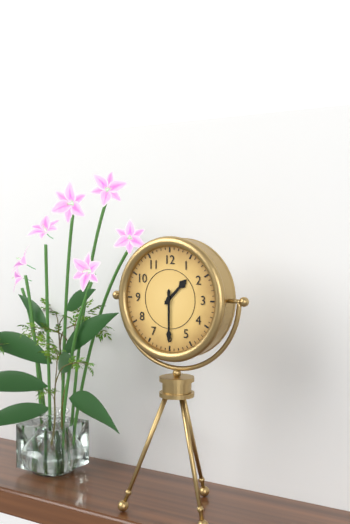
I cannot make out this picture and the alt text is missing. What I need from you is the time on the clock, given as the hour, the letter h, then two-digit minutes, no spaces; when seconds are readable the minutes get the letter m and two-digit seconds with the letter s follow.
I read 1h30
